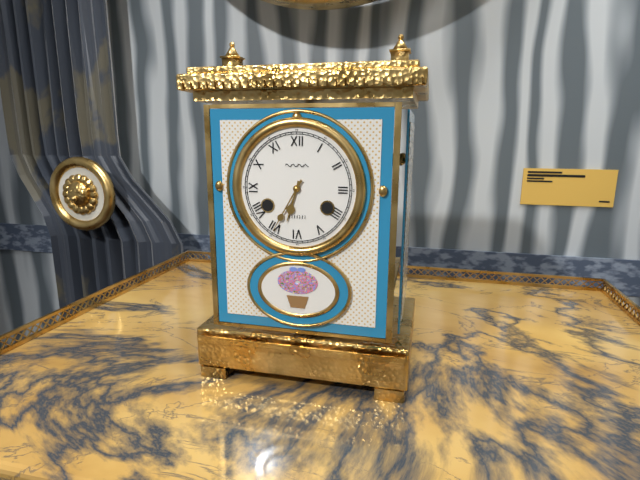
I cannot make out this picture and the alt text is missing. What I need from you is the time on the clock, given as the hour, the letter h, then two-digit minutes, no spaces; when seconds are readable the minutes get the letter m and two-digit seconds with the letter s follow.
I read 6h35
